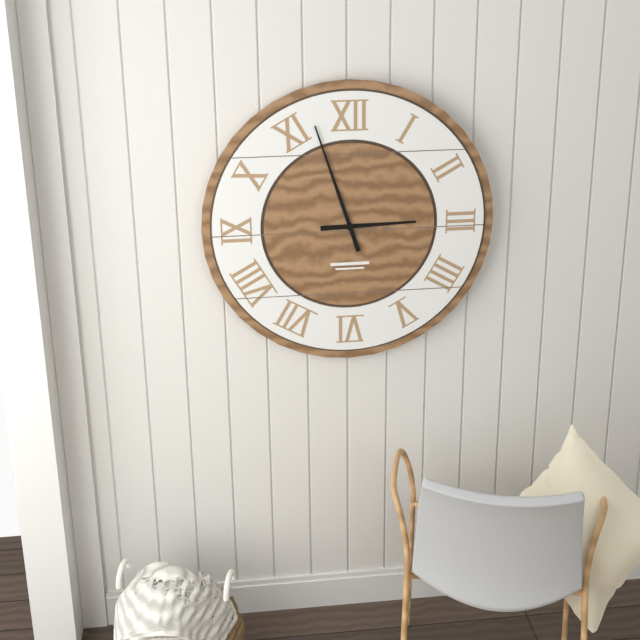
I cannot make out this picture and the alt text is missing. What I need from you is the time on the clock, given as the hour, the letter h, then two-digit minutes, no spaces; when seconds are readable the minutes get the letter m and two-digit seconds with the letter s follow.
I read 2h57
